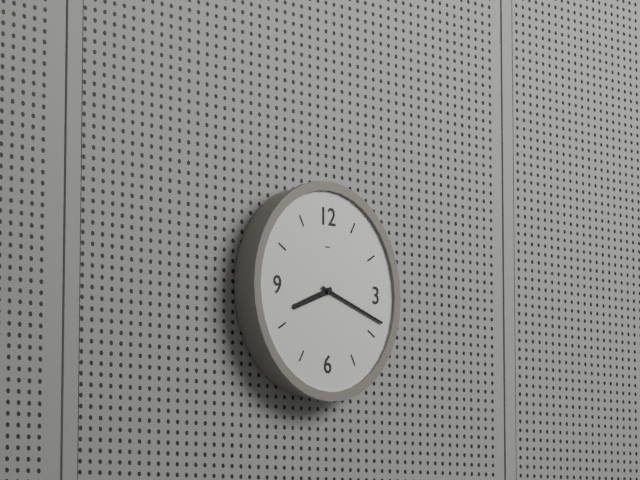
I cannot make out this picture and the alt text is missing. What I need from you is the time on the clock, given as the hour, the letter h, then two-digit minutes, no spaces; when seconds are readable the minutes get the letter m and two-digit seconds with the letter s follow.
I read 8h18
